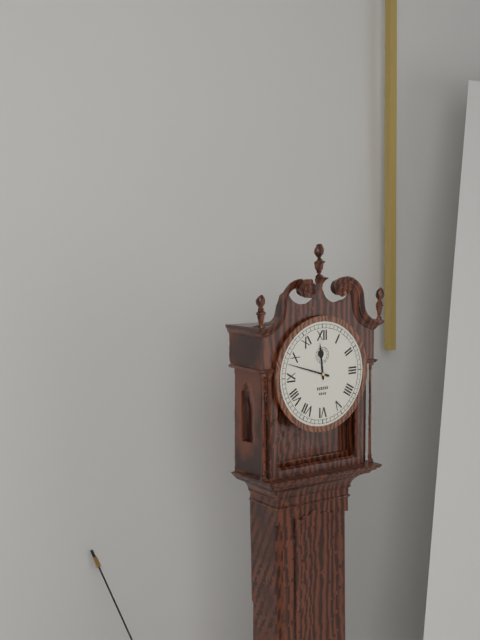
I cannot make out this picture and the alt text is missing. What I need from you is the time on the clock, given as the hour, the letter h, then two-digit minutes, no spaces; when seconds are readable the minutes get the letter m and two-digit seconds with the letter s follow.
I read 11h48
